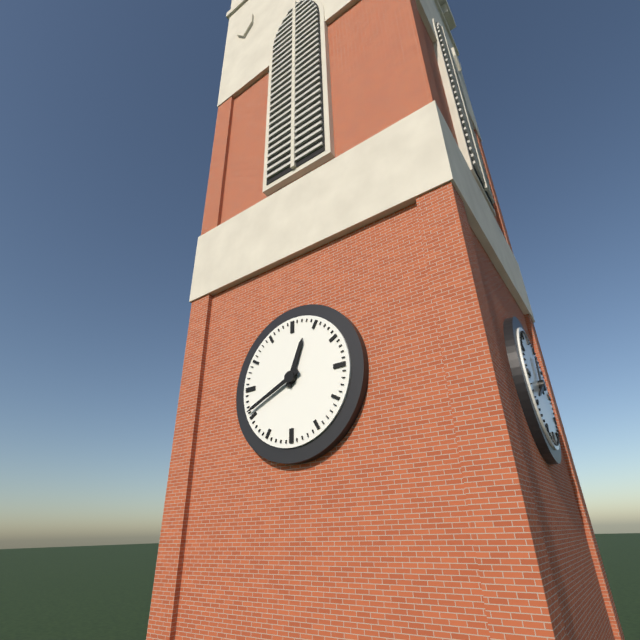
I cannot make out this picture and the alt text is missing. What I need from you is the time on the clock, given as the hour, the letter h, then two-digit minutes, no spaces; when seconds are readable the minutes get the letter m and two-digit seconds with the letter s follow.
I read 12h41
